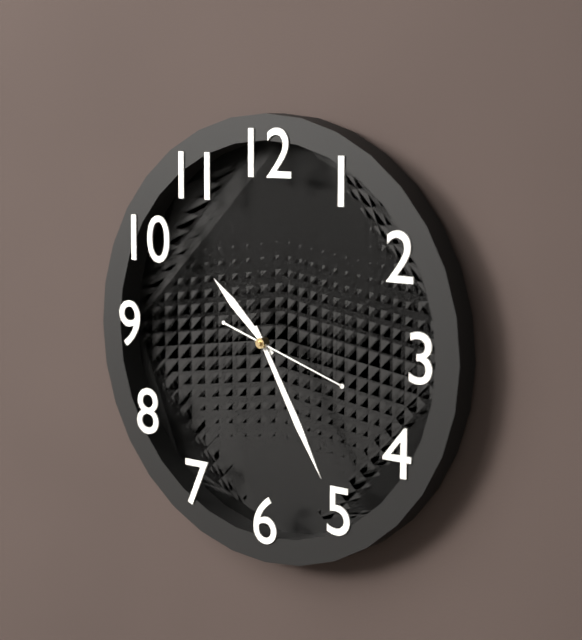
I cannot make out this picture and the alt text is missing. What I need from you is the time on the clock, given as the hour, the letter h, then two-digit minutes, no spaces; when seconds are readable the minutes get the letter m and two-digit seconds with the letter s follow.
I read 10h25m18s
